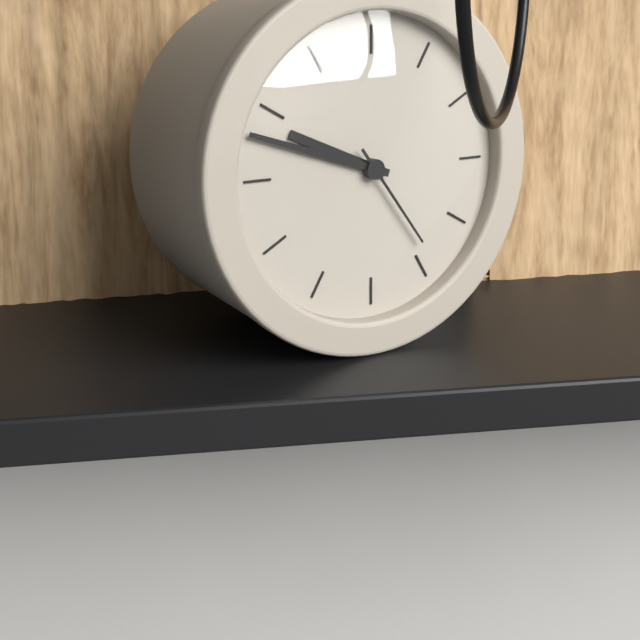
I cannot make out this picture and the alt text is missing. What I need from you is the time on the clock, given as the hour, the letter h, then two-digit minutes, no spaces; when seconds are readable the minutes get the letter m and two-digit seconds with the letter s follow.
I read 9h48m24s
